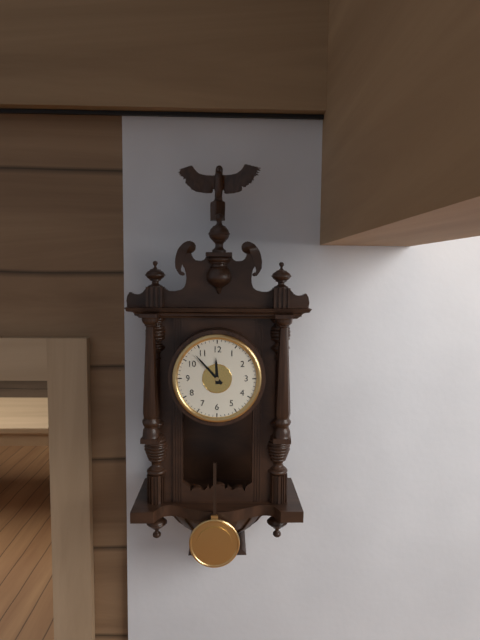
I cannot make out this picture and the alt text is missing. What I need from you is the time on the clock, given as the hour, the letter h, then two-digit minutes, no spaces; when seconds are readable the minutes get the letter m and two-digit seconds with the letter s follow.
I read 11h53
